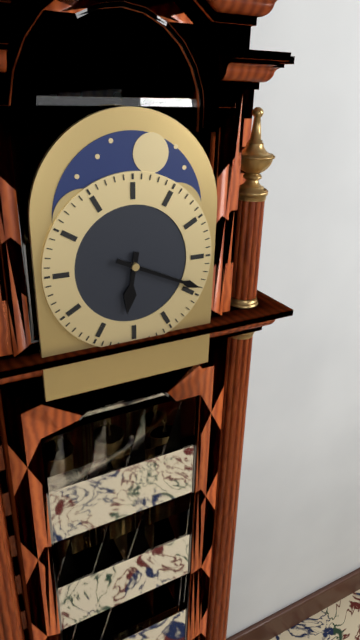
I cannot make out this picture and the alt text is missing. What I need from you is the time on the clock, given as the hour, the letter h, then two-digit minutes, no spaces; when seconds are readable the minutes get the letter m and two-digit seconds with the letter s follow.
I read 6h19
